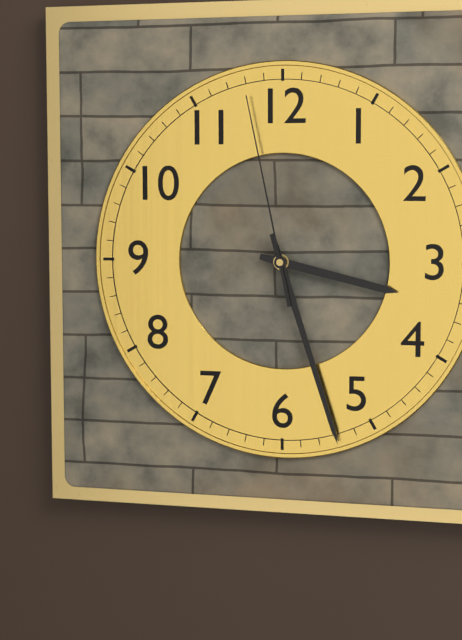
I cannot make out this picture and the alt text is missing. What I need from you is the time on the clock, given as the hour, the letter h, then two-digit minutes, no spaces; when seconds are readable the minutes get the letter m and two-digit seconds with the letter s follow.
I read 3h27m58s
